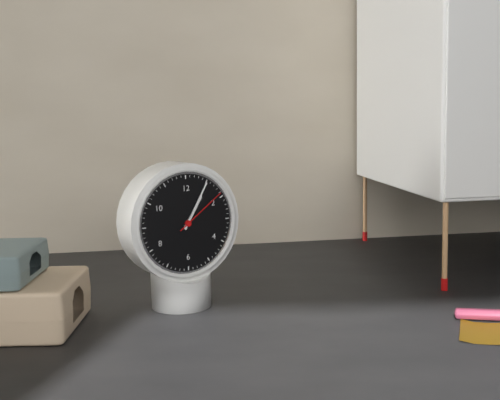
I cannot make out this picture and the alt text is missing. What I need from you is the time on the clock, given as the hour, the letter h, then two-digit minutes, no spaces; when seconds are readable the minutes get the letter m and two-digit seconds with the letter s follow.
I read 1h05m09s
